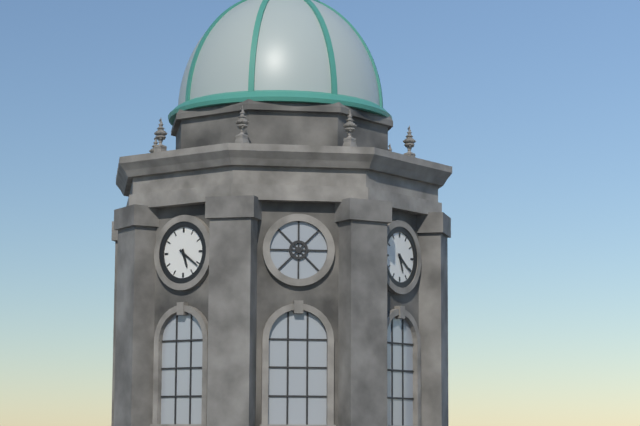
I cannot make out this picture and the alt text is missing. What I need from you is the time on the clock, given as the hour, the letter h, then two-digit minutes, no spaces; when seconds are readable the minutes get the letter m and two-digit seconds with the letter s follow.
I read 5h21
